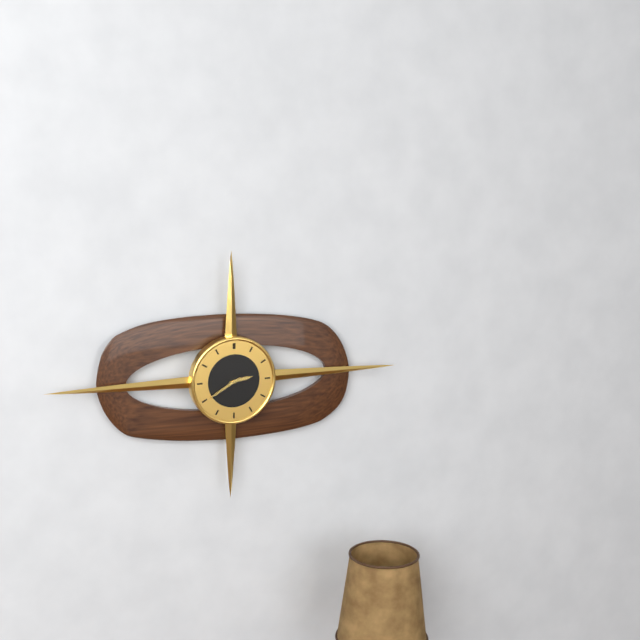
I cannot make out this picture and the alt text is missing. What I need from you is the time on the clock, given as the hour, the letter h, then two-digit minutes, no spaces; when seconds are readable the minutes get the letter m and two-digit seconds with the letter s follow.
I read 2h40
